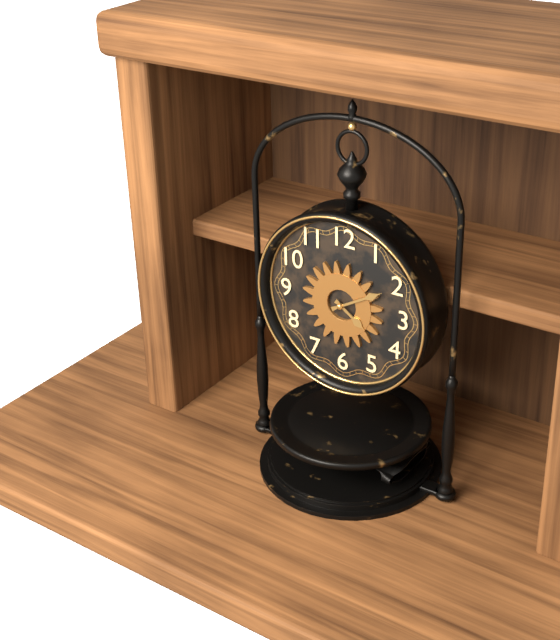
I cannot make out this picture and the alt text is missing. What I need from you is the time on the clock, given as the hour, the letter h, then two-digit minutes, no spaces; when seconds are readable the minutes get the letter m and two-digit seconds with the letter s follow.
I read 4h10
